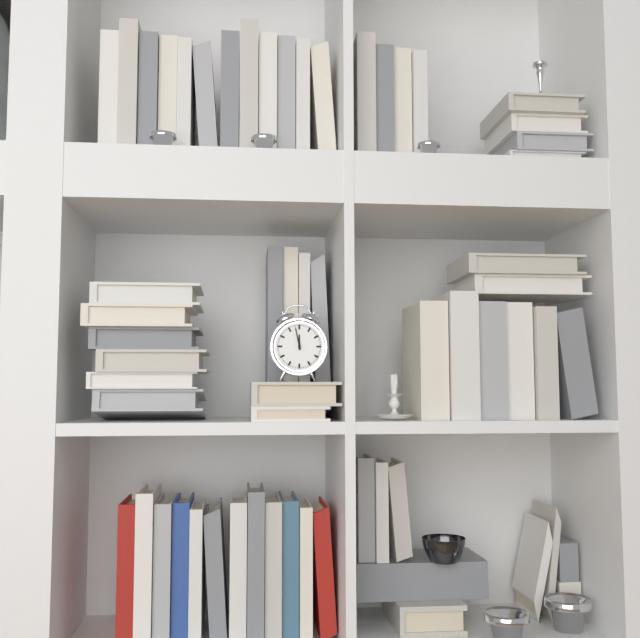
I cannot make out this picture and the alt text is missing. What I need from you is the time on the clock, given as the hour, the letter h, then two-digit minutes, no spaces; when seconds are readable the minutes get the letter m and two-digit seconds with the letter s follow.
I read 11h58
